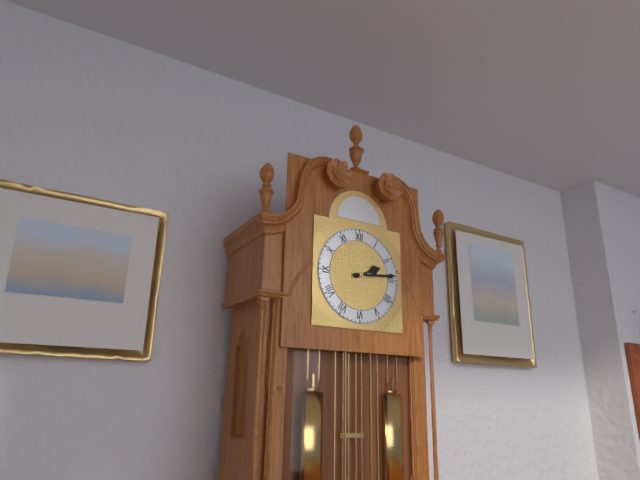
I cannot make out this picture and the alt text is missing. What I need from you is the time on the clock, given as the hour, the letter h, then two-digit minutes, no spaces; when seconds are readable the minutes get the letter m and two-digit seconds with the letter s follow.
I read 2h14
